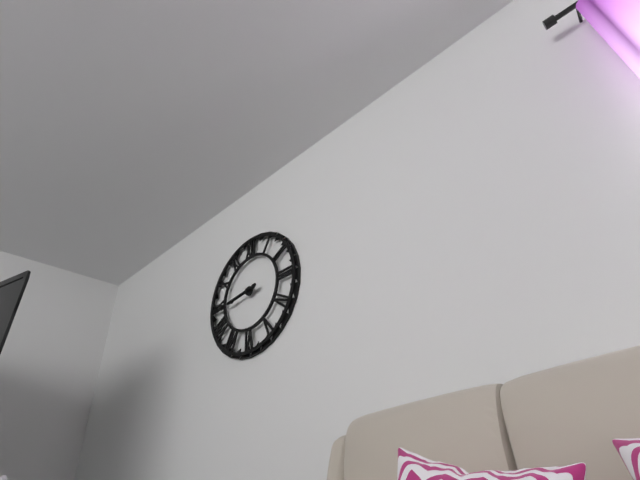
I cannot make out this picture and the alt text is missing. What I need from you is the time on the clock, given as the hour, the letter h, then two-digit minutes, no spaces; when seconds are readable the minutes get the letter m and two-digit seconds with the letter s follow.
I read 8h44
